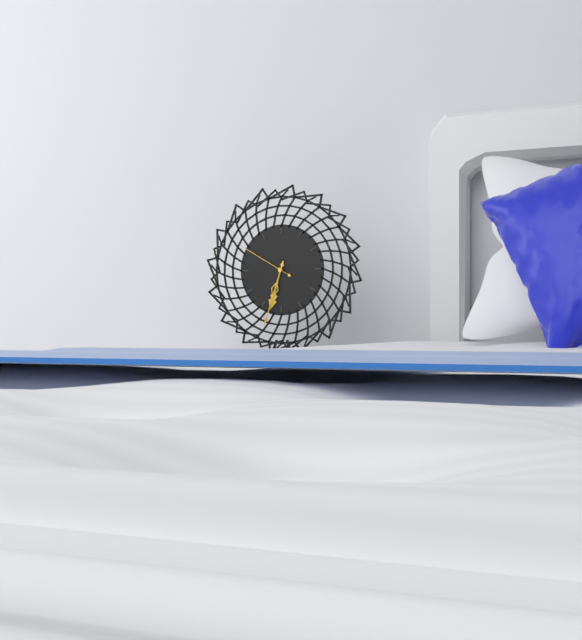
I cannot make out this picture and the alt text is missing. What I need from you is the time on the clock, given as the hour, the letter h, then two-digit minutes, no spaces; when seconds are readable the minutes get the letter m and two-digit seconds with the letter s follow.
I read 6h33m50s
